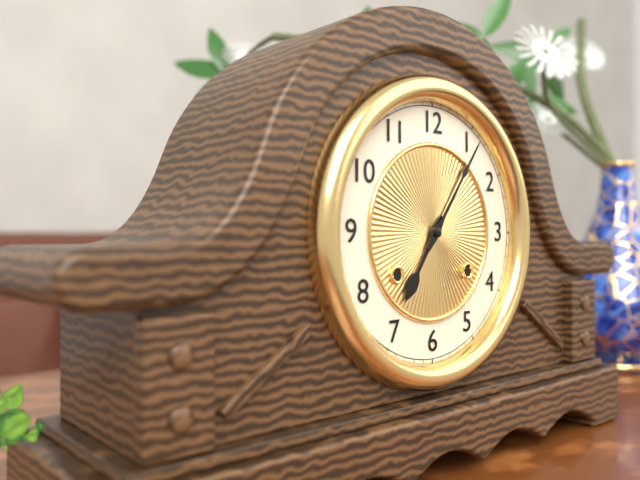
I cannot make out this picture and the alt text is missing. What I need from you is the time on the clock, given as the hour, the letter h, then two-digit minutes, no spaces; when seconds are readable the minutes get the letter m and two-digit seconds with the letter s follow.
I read 7h06
